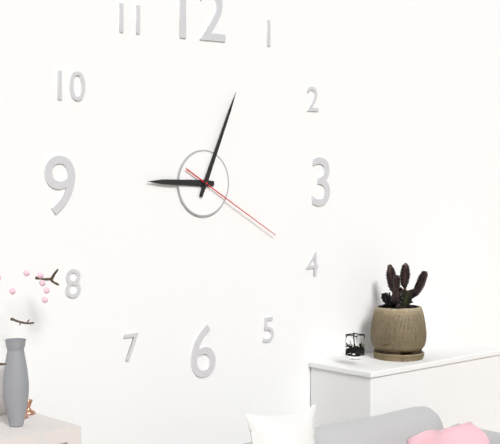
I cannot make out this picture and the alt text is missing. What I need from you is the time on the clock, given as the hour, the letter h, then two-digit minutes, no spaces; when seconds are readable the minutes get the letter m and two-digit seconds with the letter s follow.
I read 9h04m20s
